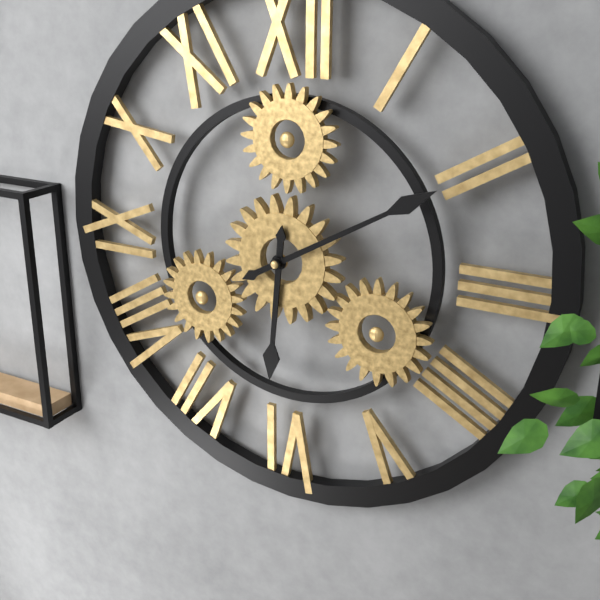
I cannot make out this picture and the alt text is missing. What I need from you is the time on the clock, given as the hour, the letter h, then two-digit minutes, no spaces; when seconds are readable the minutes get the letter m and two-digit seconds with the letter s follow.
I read 6h10
